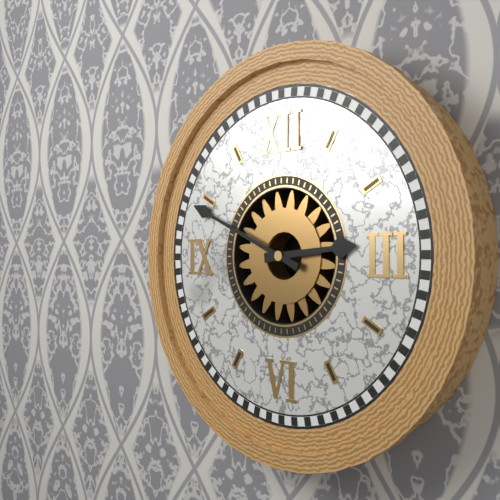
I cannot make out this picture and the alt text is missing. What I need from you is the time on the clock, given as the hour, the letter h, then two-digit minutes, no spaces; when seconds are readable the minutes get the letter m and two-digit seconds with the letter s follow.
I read 2h49
